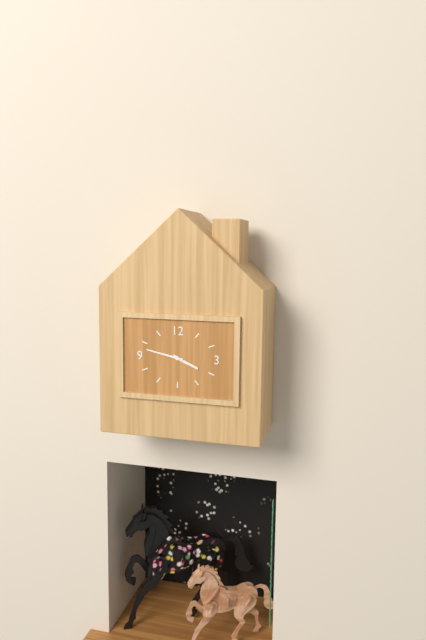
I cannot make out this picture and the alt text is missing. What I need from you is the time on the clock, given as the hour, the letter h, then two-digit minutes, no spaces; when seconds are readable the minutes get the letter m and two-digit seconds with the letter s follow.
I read 3h47
